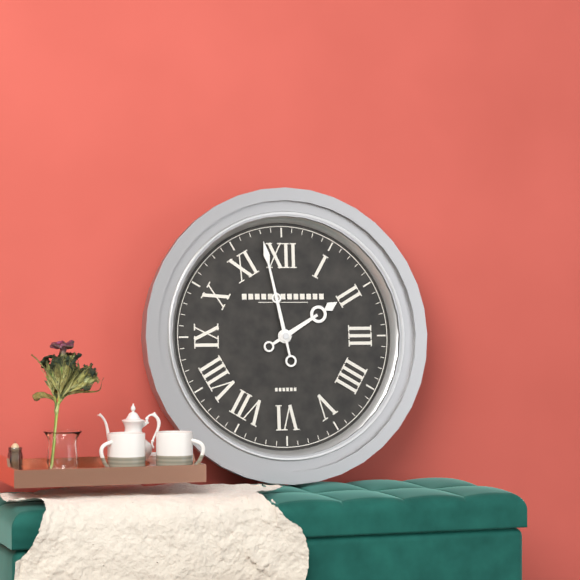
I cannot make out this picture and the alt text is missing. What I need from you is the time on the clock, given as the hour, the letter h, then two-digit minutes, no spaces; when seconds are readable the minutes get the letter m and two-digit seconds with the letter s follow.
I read 1h58
